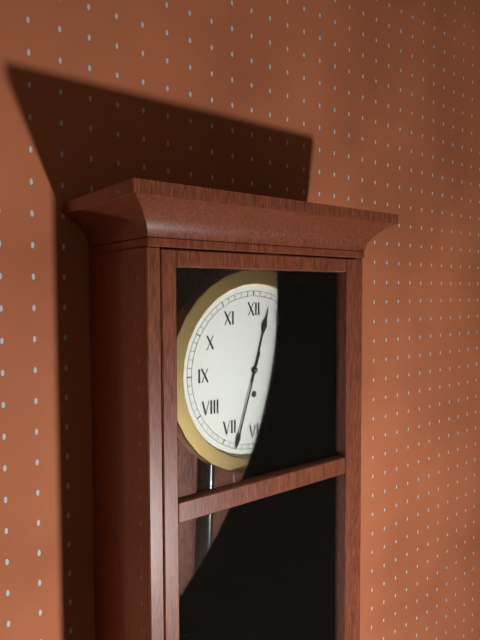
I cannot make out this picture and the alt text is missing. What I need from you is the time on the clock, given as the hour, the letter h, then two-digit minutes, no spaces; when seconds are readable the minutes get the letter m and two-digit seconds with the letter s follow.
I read 12h33
